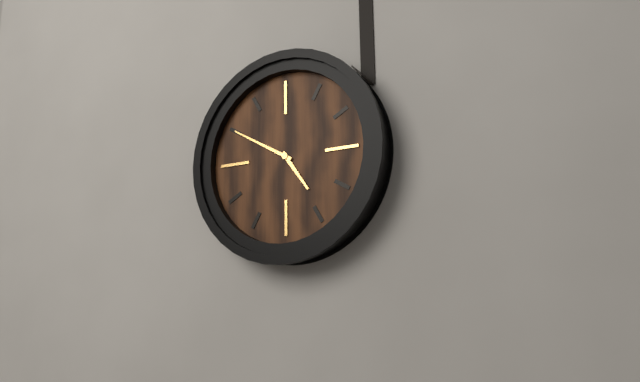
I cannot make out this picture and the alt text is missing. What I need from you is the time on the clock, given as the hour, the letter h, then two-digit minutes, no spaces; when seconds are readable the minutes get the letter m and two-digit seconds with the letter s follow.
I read 4h50
